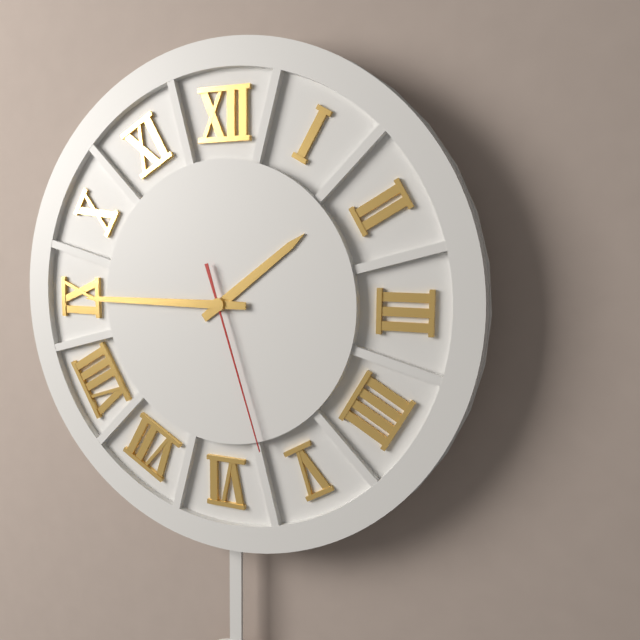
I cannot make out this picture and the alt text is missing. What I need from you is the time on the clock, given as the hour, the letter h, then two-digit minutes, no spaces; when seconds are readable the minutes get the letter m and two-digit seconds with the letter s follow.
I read 1h45m27s
